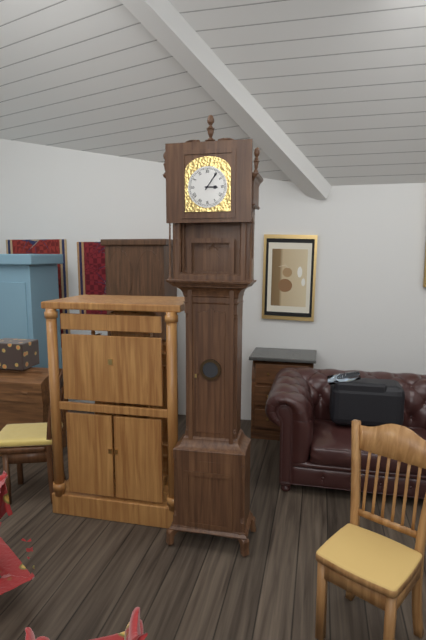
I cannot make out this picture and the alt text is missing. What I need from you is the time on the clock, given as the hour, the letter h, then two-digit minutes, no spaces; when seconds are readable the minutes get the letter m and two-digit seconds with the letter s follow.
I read 3h06
